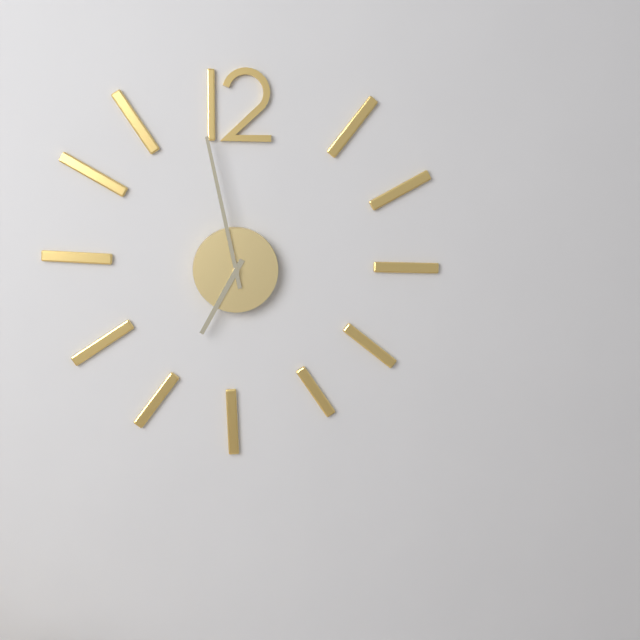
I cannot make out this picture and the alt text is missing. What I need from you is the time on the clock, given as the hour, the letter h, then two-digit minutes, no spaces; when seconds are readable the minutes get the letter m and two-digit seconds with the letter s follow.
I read 6h58
